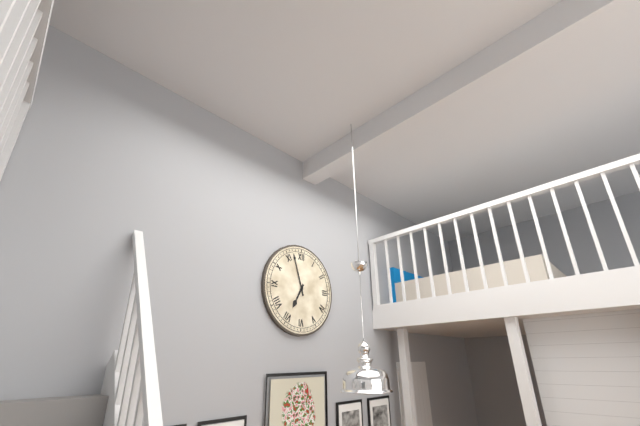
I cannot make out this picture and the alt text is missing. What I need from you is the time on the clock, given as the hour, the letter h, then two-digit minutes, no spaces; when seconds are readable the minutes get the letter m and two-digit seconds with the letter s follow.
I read 6h57
